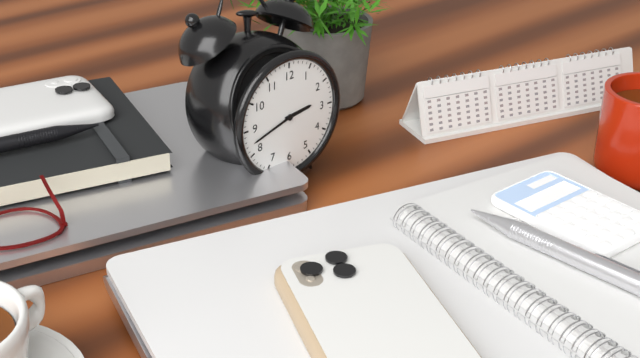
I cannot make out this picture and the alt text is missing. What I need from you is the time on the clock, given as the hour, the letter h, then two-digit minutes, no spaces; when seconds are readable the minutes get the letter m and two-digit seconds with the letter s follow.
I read 2h42
